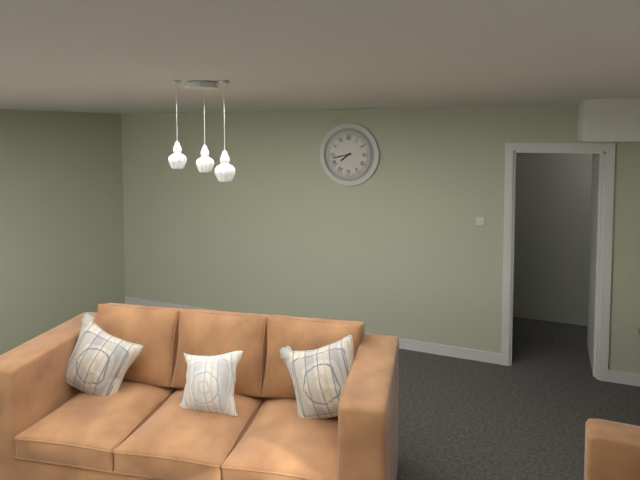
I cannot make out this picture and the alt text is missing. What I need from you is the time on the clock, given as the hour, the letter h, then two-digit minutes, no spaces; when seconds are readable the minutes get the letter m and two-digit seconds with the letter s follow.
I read 7h43
